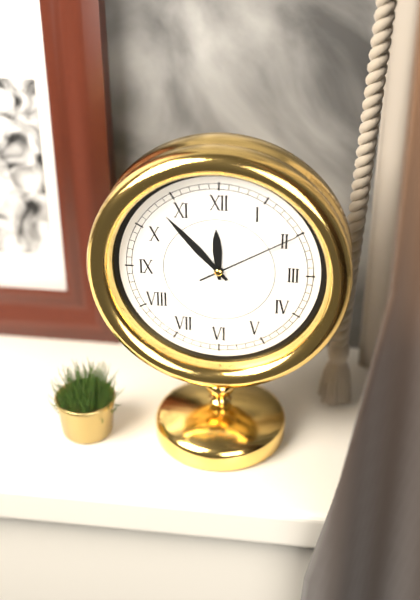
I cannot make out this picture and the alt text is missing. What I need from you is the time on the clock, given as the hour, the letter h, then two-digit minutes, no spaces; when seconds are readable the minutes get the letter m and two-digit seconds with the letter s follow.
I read 11h53m10s
